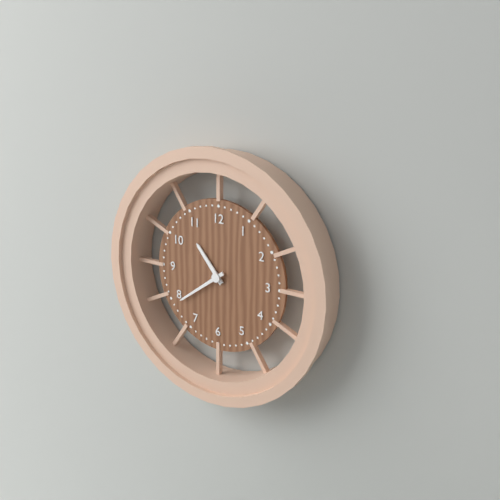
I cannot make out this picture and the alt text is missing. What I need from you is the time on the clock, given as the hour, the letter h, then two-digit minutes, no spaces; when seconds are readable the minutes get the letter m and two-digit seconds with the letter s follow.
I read 10h39
